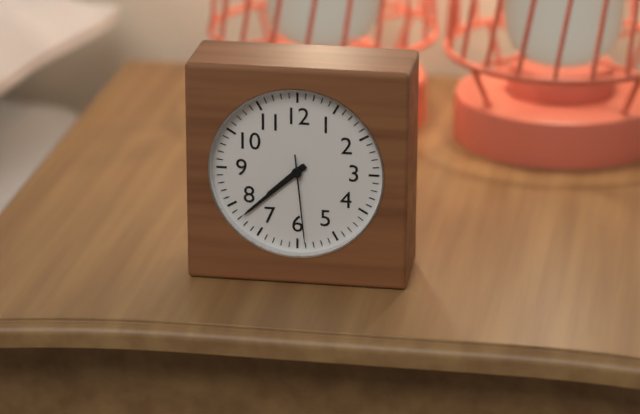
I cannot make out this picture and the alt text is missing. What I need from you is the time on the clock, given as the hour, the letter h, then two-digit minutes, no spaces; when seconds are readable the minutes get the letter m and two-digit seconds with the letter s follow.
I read 7h38m29s
